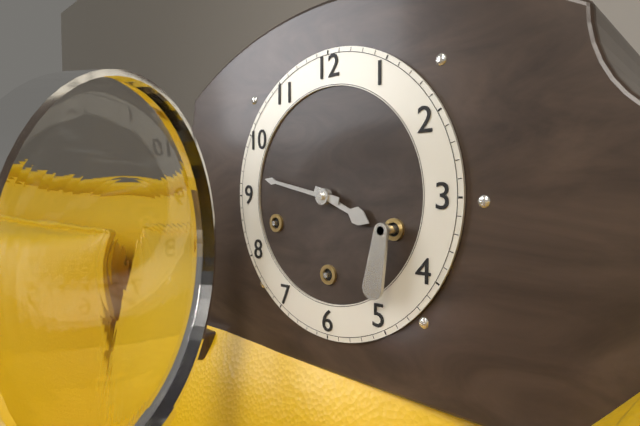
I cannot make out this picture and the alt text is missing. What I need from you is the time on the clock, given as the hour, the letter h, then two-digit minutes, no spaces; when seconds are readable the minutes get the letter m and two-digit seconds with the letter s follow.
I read 3h47
